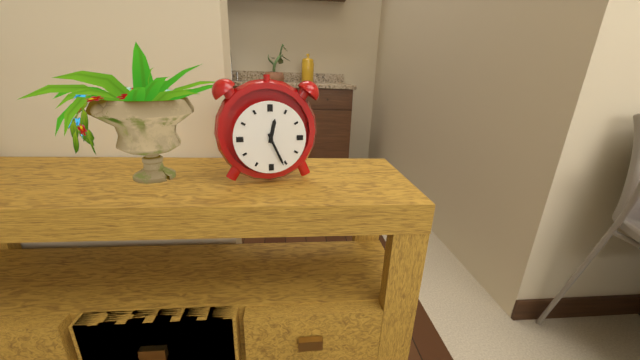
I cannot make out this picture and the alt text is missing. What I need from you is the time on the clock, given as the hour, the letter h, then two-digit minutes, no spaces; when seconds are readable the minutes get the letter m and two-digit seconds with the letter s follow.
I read 12h26
